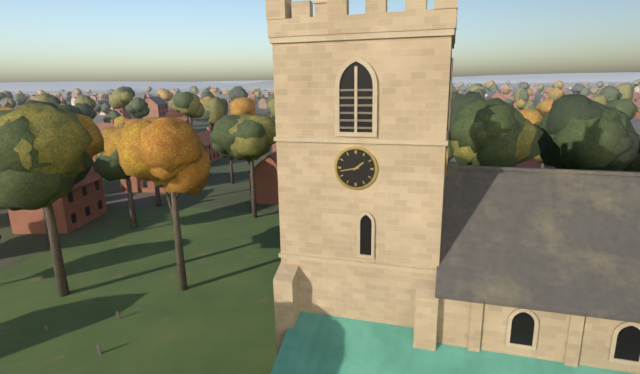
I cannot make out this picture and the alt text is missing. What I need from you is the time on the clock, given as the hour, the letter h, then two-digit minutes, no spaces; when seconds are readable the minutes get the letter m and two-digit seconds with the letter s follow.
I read 1h43
